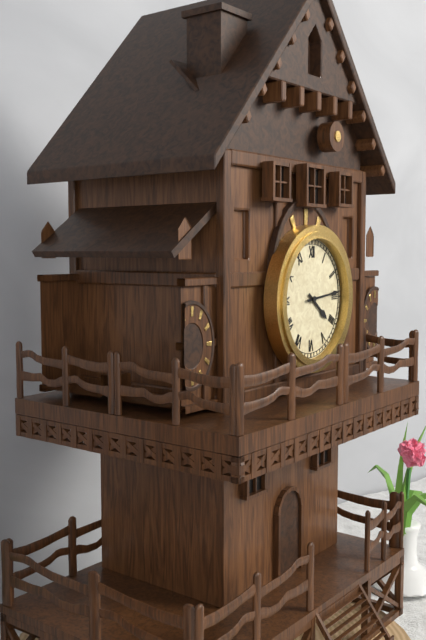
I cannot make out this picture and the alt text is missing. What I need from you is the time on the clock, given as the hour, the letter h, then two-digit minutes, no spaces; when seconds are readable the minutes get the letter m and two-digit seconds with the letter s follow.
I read 4h14
